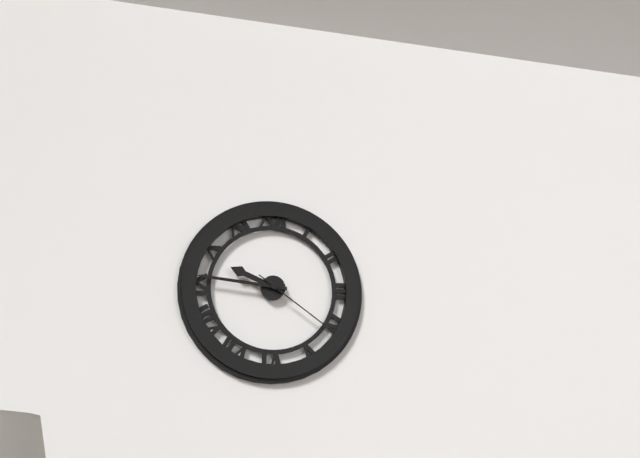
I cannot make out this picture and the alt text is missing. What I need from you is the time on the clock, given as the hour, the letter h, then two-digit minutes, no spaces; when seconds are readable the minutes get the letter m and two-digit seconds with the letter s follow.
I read 9h46m21s
